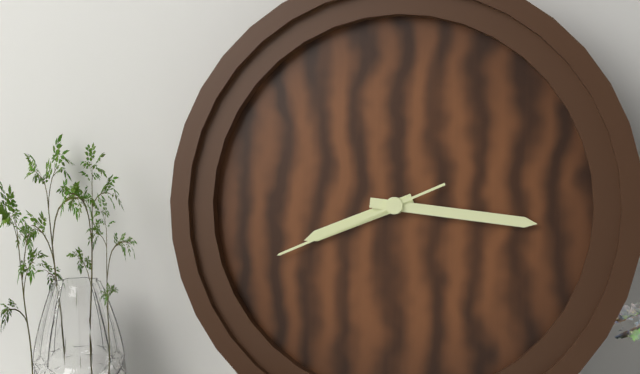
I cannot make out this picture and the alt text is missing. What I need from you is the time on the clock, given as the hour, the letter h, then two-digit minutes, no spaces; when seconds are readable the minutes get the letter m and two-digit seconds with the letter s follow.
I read 8h16m41s
